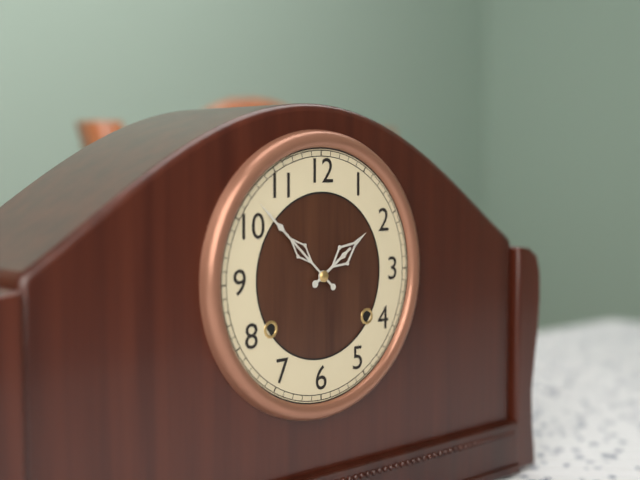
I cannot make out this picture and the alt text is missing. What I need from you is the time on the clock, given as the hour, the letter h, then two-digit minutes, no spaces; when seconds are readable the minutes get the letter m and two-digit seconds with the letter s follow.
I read 1h52
